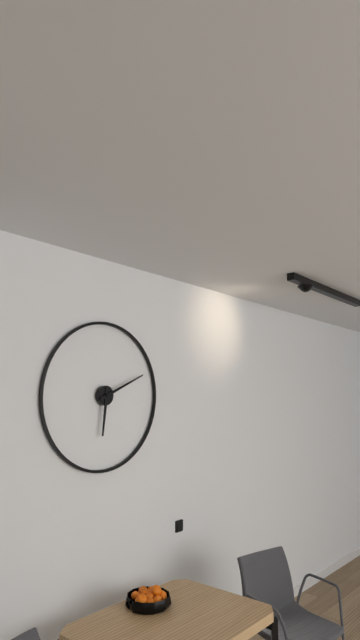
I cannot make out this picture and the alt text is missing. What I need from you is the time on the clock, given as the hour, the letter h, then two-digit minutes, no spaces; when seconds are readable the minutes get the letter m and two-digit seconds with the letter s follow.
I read 6h11
